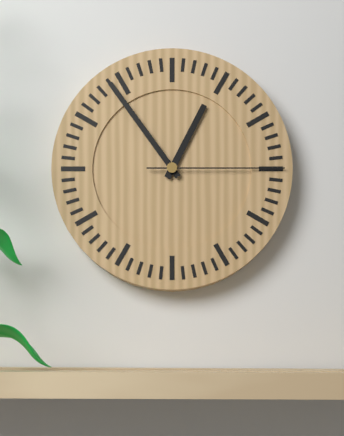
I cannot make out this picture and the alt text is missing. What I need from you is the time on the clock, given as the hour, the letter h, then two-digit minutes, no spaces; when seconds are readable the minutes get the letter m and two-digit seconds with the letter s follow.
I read 12h54m15s
